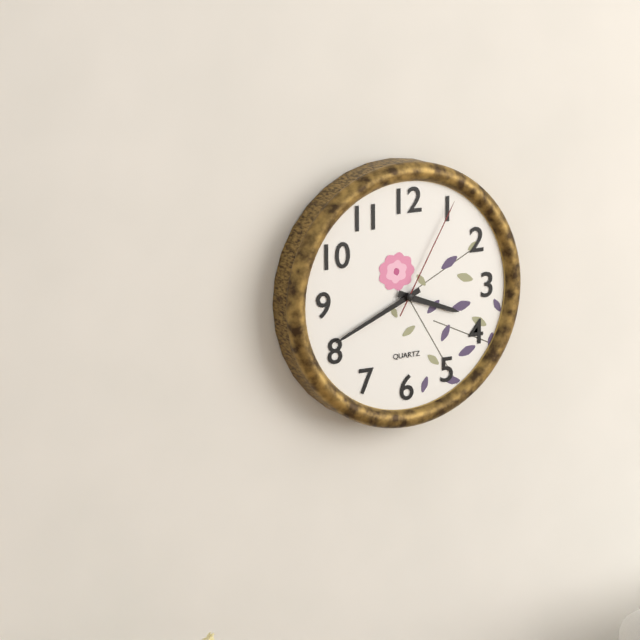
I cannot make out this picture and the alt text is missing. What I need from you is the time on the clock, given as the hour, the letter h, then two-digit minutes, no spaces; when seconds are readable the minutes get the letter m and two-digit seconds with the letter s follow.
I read 3h41m05s
